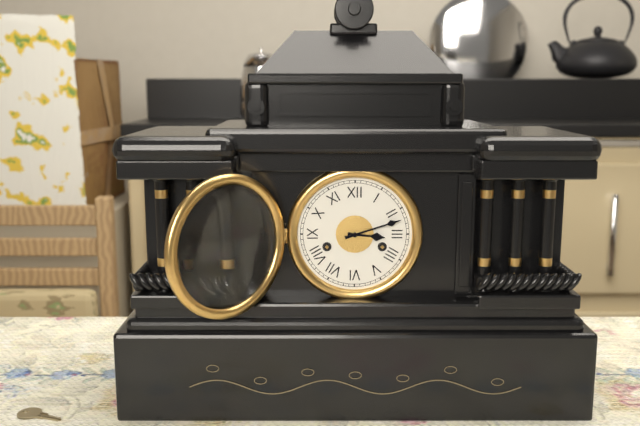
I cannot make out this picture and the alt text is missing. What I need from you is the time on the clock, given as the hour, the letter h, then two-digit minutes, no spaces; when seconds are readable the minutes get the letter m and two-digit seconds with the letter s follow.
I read 3h12
